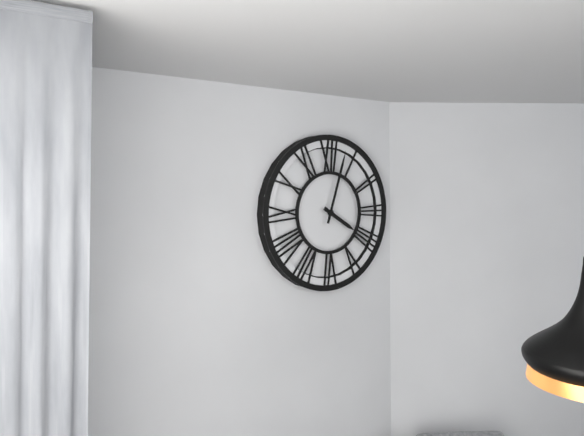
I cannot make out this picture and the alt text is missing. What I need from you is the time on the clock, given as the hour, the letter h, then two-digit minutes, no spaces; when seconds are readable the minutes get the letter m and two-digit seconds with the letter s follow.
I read 4h03
